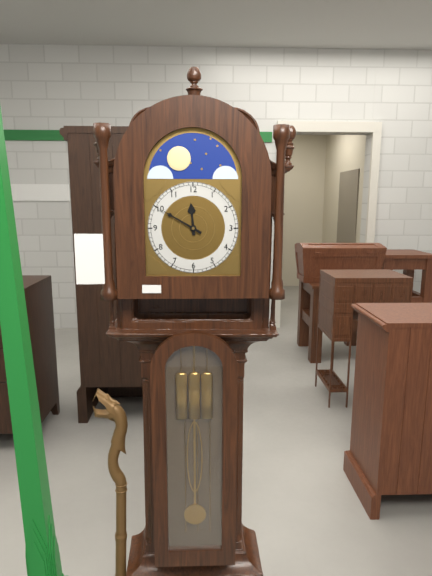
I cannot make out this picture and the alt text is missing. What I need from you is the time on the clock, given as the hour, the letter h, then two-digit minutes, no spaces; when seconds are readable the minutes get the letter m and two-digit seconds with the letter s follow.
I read 11h50
